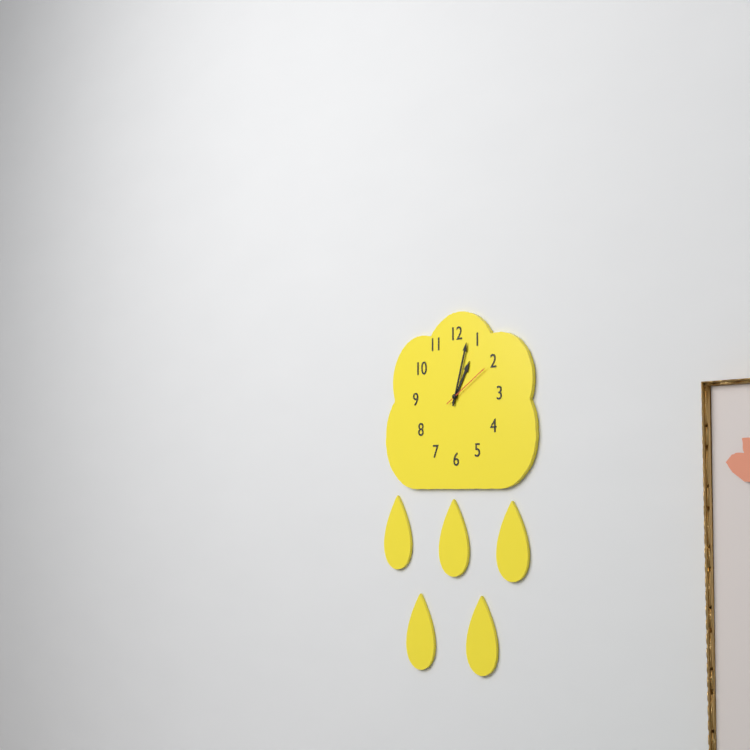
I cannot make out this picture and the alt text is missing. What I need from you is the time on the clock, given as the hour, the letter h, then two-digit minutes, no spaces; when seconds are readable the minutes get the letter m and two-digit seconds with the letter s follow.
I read 1h03
